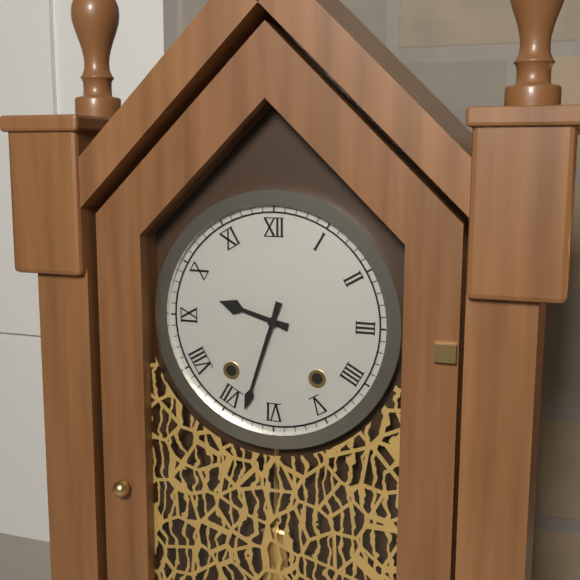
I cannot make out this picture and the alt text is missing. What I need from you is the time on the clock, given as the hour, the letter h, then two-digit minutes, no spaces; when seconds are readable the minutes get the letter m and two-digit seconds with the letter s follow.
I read 9h33
